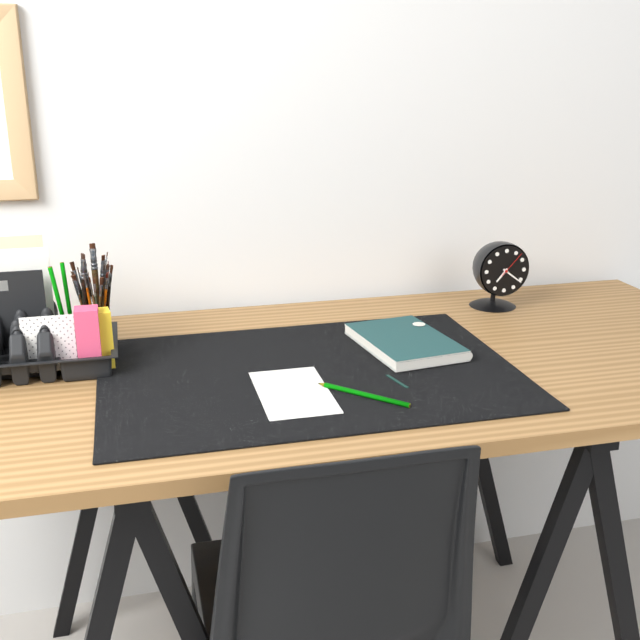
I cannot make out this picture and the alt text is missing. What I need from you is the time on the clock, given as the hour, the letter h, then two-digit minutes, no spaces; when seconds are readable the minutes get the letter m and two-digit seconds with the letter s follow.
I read 7h21
